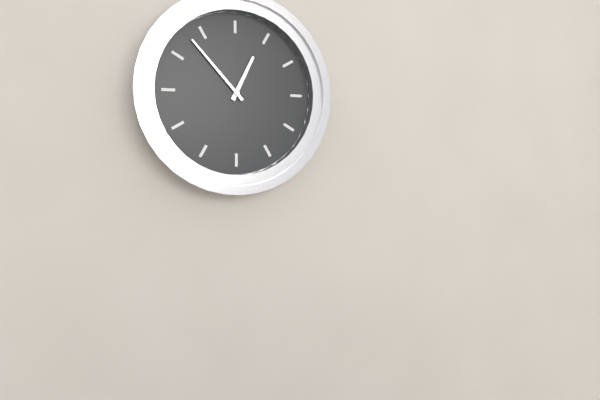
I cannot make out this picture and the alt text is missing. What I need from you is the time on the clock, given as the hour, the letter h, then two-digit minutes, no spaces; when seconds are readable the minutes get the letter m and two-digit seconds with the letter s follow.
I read 12h53
